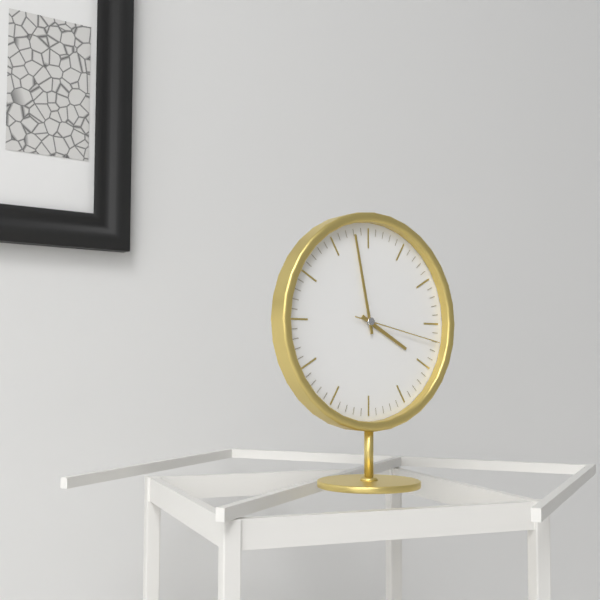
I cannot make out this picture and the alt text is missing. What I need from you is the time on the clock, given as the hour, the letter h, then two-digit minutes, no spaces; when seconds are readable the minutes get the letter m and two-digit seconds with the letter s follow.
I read 3h58m17s
